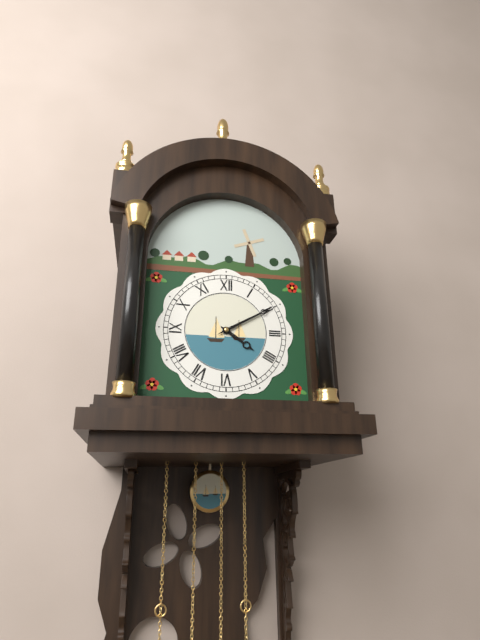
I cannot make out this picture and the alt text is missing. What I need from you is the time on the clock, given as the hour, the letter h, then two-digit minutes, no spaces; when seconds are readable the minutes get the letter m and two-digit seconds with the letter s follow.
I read 4h10
